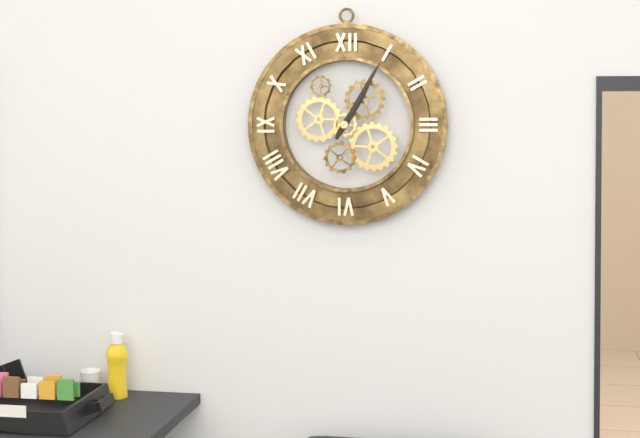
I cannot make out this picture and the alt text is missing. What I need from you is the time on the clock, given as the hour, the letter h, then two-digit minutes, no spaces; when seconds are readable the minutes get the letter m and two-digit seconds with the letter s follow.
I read 1h05
